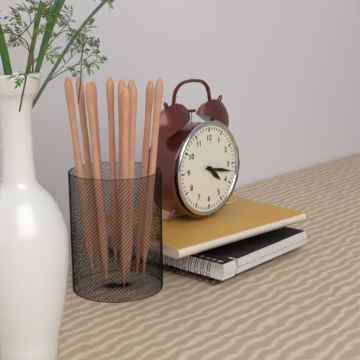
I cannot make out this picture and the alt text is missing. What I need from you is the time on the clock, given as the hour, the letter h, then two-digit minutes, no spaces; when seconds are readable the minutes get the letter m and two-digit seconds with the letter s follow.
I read 4h17
